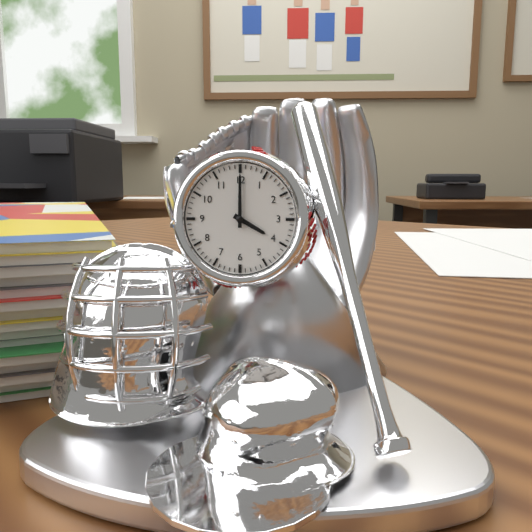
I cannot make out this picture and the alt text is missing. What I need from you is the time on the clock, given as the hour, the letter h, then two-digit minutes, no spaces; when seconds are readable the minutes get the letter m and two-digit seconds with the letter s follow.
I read 4h00
